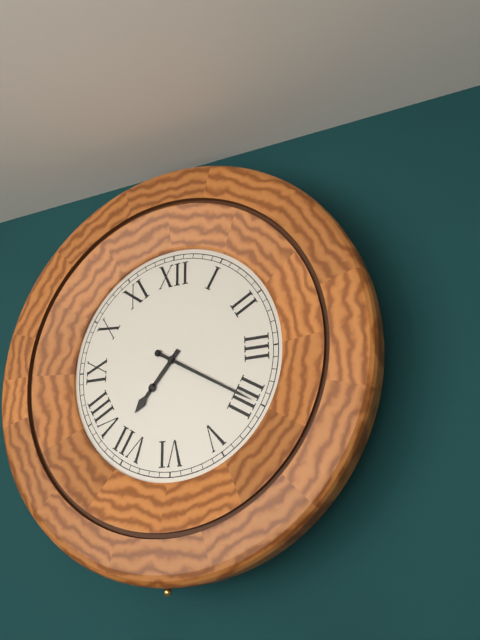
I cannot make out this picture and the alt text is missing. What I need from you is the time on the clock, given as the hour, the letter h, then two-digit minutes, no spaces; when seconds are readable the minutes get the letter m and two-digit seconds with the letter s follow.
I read 7h20
